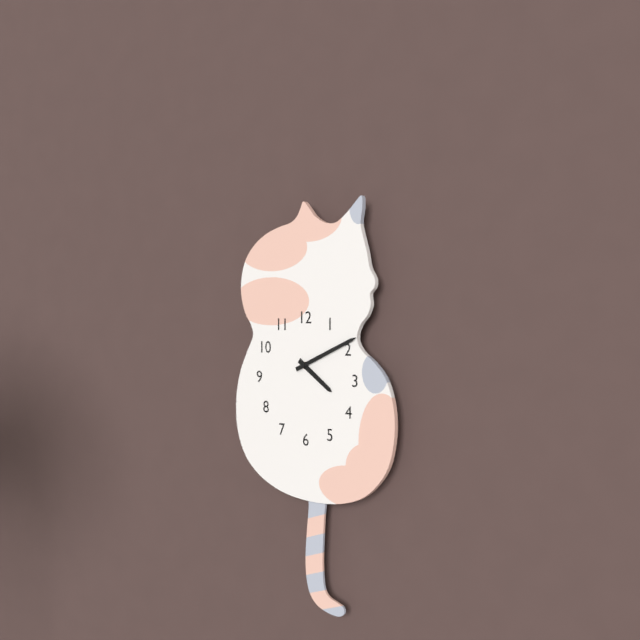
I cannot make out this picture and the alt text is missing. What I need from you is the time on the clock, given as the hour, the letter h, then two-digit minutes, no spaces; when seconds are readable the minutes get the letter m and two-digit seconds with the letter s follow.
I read 4h11
